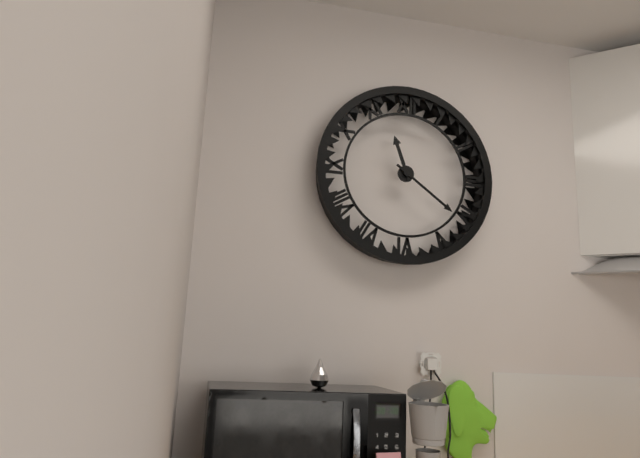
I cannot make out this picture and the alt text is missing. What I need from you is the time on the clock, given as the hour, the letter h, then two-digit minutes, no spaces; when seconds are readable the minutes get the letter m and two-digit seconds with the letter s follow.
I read 11h21
